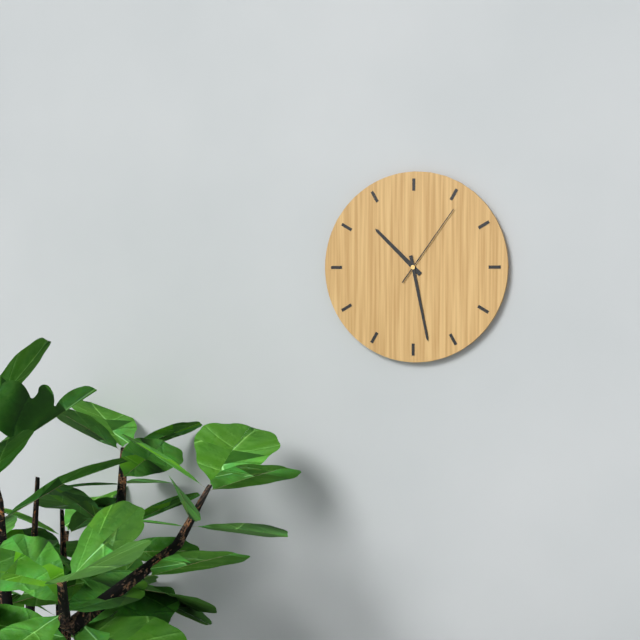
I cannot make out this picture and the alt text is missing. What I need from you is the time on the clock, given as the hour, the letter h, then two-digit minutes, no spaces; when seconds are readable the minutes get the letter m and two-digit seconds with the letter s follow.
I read 10h28m06s
